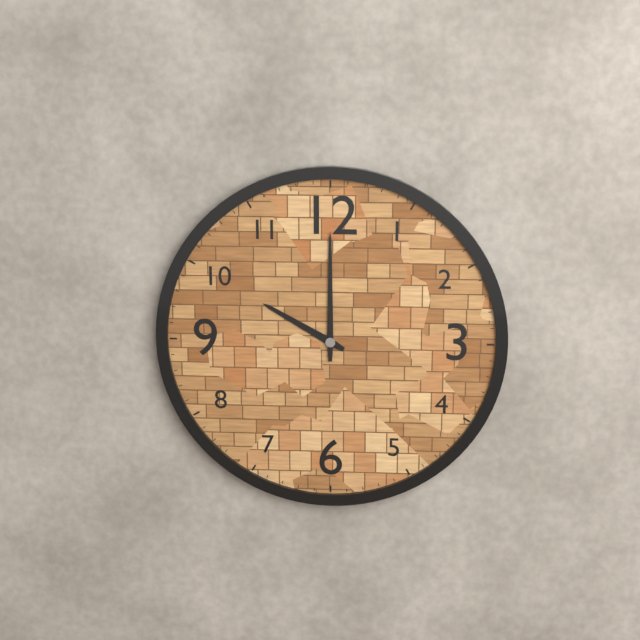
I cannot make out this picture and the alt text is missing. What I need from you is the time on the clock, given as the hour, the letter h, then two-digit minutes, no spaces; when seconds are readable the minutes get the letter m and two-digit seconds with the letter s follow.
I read 10h00
